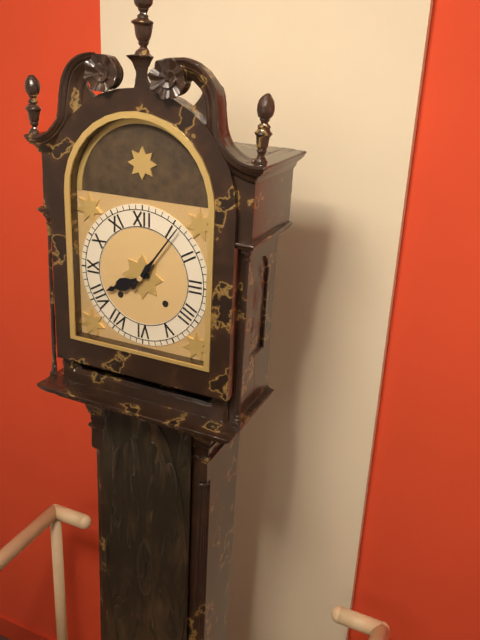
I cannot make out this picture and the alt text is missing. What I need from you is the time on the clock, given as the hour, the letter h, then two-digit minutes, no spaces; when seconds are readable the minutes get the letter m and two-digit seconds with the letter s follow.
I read 8h06
